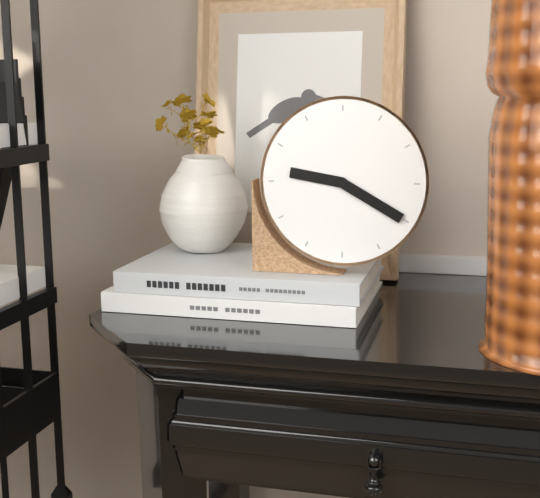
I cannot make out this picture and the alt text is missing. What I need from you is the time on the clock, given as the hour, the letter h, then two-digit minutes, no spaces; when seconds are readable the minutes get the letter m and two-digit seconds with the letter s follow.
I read 9h20
